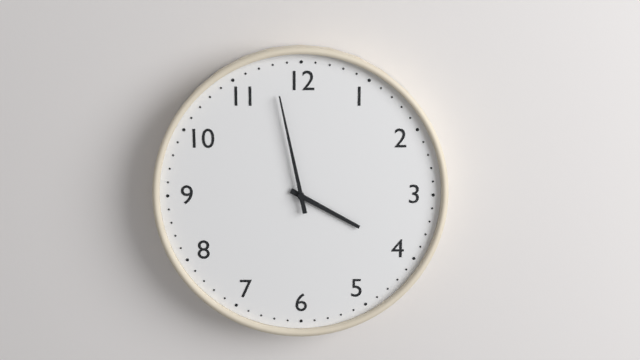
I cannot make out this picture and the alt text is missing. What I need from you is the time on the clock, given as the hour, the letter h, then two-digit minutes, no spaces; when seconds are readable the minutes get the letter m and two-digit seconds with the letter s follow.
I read 3h58
